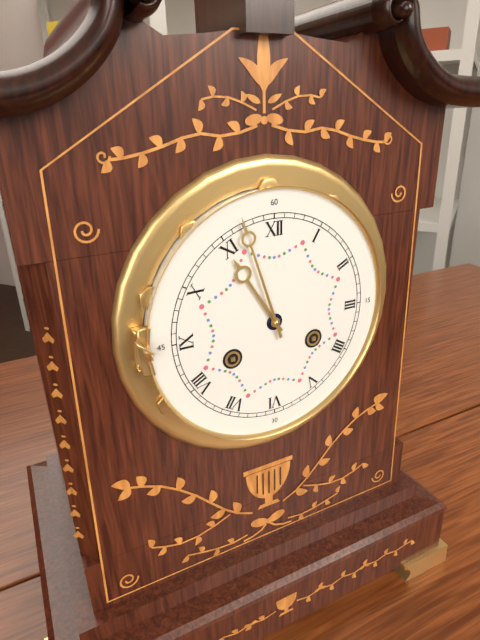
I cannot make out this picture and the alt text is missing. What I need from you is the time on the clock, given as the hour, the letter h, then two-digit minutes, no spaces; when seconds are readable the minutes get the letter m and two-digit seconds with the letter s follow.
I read 10h57
